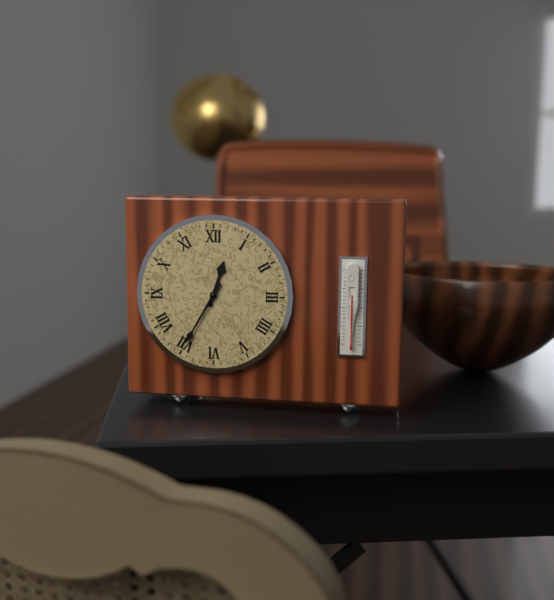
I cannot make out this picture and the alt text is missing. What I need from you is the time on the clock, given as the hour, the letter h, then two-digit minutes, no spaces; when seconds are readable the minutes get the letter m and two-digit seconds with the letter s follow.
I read 12h35
